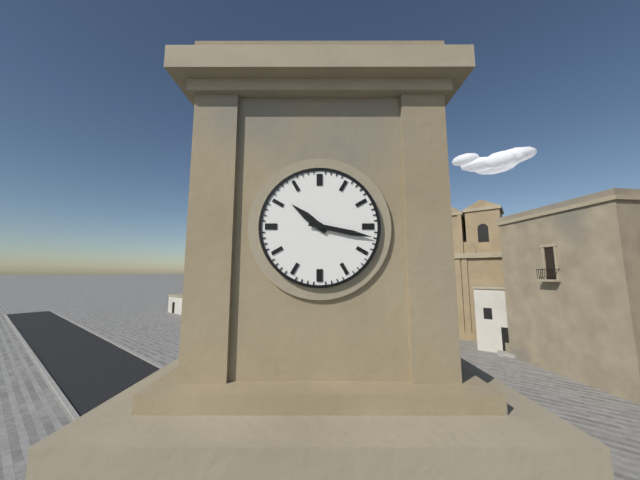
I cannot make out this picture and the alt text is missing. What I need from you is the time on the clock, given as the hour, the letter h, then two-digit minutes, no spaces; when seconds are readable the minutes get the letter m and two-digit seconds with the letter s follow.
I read 10h17
